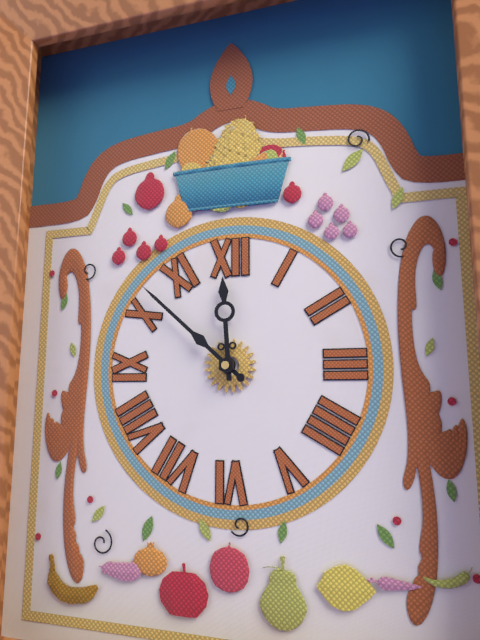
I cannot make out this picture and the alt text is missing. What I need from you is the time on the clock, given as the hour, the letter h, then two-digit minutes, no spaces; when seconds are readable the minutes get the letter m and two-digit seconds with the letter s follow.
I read 11h52
